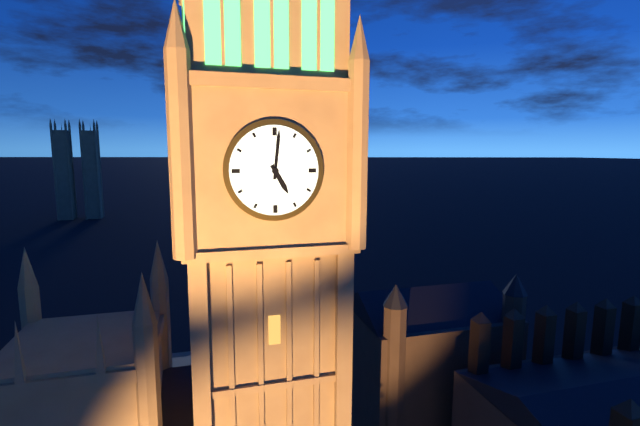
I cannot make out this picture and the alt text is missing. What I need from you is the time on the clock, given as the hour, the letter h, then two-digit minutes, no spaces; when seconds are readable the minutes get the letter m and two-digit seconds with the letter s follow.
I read 5h01
